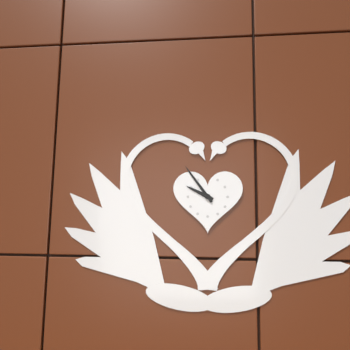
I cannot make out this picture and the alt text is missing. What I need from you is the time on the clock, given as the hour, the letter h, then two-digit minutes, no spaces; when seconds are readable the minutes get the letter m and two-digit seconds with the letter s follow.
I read 9h54
